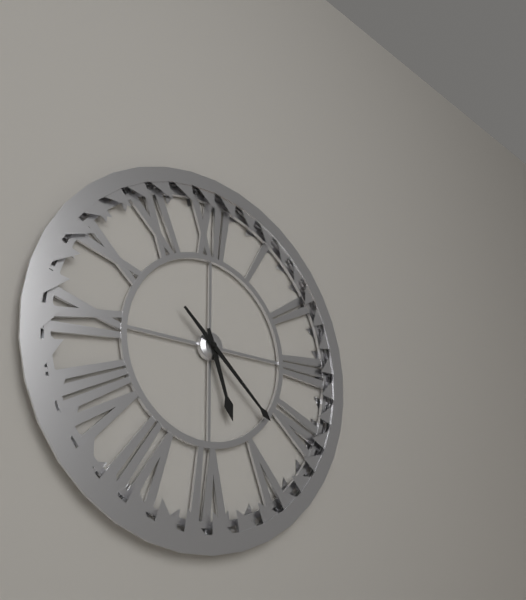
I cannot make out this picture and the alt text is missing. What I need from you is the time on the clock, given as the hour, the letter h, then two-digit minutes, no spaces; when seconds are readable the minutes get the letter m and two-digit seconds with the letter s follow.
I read 5h22
